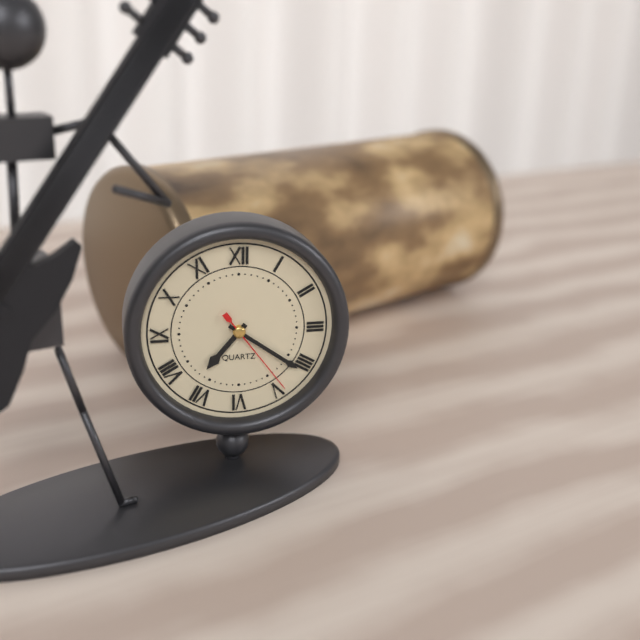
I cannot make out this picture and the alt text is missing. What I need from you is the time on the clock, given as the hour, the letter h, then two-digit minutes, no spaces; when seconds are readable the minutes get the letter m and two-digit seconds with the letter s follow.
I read 7h21m24s
